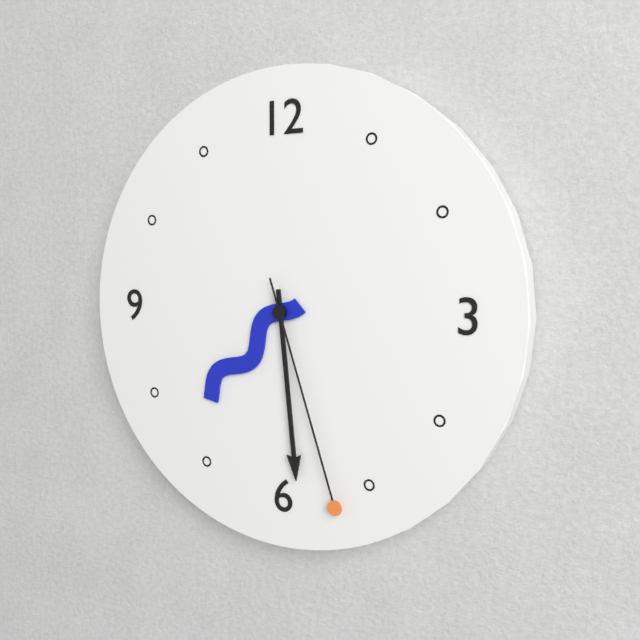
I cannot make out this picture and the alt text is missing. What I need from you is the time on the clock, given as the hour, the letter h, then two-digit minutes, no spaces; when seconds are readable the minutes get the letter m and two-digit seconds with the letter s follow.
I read 7h29m27s
